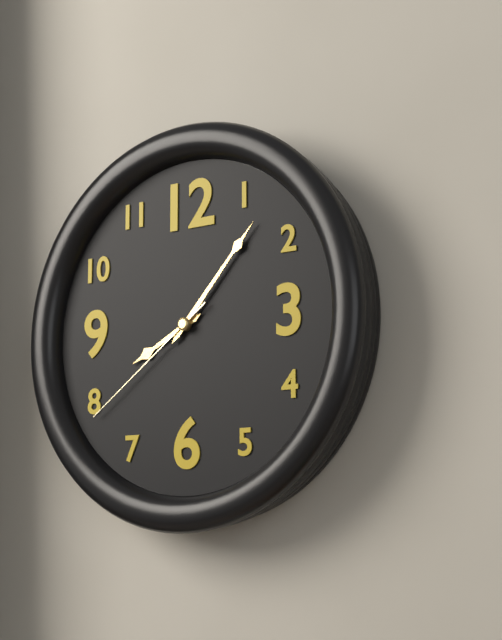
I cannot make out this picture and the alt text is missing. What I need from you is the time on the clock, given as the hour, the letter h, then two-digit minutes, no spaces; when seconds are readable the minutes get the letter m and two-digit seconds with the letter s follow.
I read 8h07m39s
